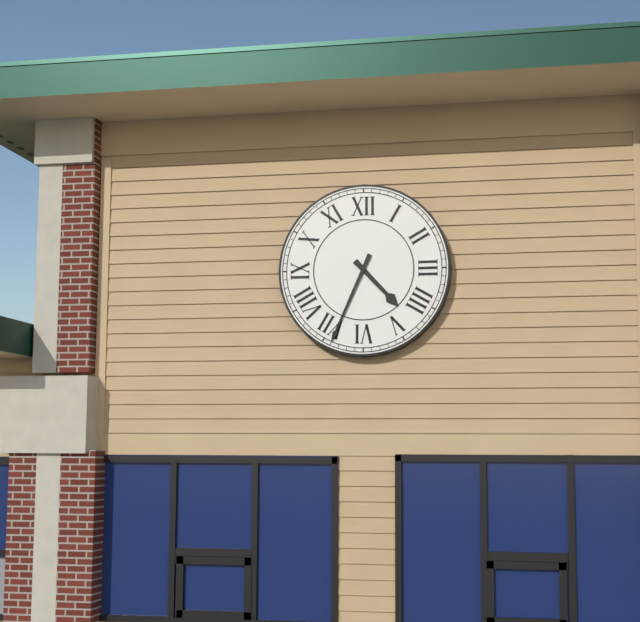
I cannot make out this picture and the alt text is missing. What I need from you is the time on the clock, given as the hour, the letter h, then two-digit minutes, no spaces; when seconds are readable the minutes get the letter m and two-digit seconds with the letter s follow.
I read 4h34
